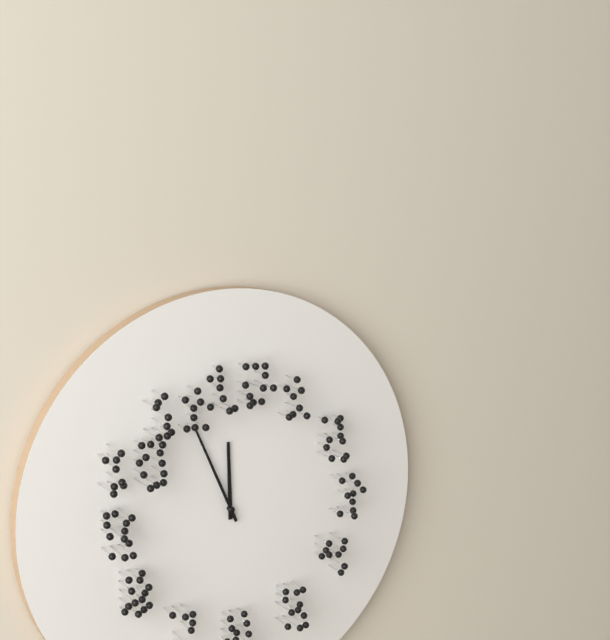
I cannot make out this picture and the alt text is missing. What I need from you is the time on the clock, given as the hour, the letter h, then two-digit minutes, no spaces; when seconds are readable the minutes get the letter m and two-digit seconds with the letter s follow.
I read 11h56
